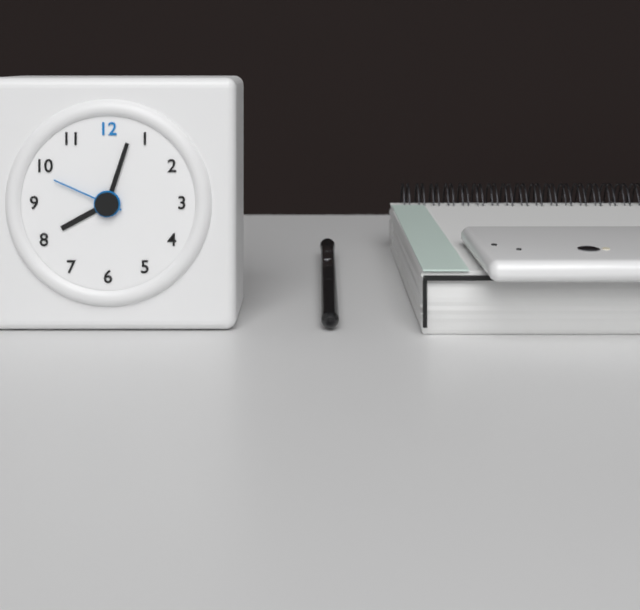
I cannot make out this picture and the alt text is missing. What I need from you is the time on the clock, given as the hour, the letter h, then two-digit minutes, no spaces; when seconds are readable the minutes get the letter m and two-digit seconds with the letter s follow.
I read 8h03m49s
